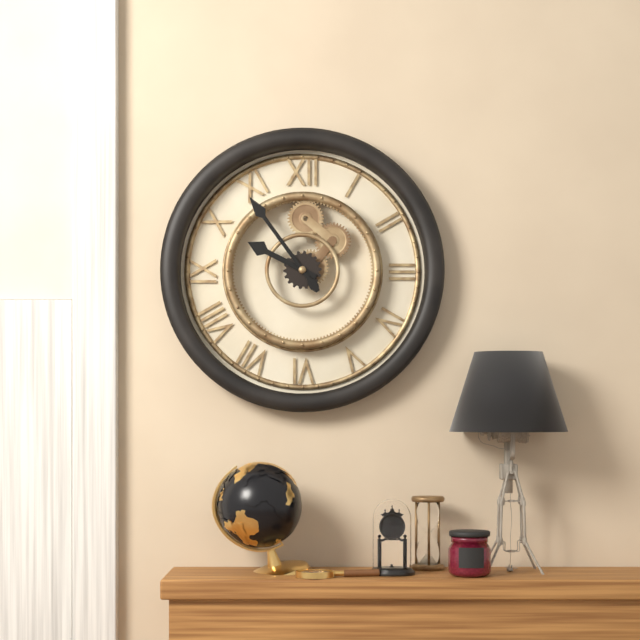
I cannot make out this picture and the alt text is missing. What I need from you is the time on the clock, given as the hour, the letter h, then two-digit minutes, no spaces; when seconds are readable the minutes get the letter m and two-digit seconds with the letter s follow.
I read 9h54
